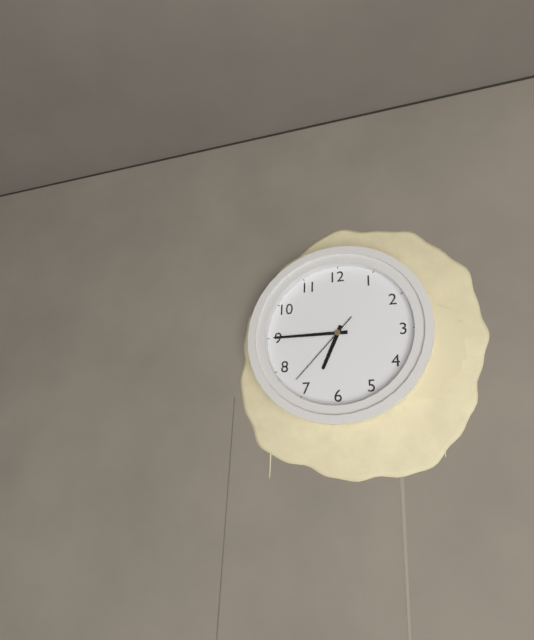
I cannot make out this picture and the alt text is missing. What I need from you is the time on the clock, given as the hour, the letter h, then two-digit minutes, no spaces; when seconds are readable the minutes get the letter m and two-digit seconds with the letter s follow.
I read 6h45m37s
